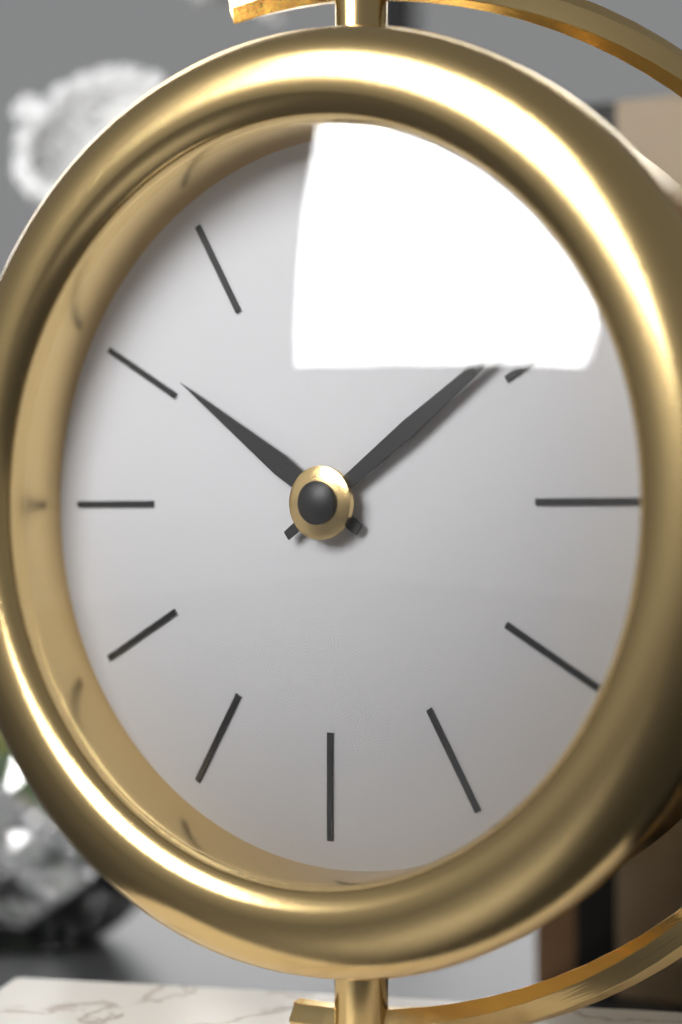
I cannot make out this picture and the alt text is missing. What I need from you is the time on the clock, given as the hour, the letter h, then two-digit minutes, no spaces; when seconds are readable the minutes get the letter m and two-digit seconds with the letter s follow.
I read 10h09
